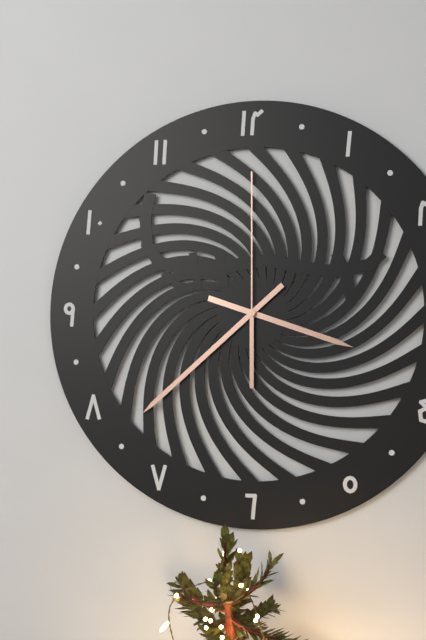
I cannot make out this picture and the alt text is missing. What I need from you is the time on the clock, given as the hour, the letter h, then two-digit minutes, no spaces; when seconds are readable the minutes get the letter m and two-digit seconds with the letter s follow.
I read 3h38m00s
